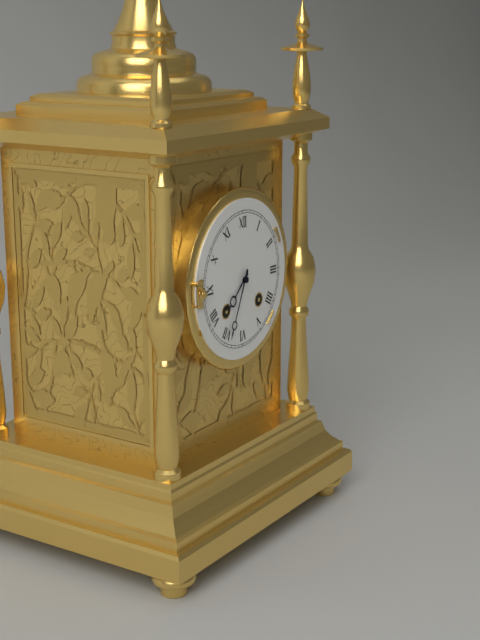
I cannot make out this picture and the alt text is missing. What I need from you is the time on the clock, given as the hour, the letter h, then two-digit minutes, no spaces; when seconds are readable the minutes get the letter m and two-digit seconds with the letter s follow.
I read 7h34
